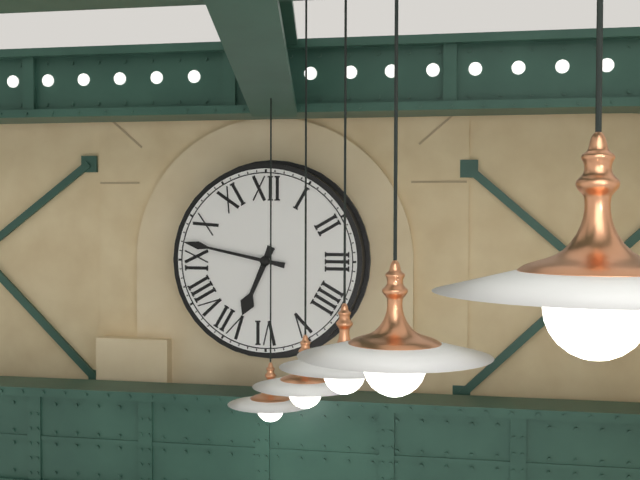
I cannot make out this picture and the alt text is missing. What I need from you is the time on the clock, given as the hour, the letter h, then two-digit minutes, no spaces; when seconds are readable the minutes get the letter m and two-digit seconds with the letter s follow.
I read 6h47
